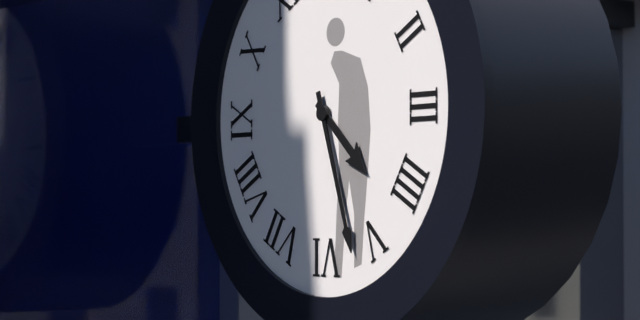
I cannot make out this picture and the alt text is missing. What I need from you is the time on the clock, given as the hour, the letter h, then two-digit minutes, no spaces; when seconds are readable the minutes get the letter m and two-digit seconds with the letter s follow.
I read 4h27
